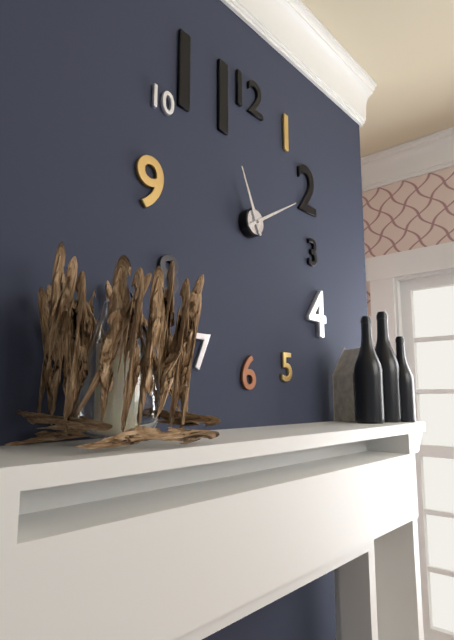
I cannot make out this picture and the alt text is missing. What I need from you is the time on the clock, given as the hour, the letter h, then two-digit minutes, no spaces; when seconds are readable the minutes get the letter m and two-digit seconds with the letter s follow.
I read 11h10
